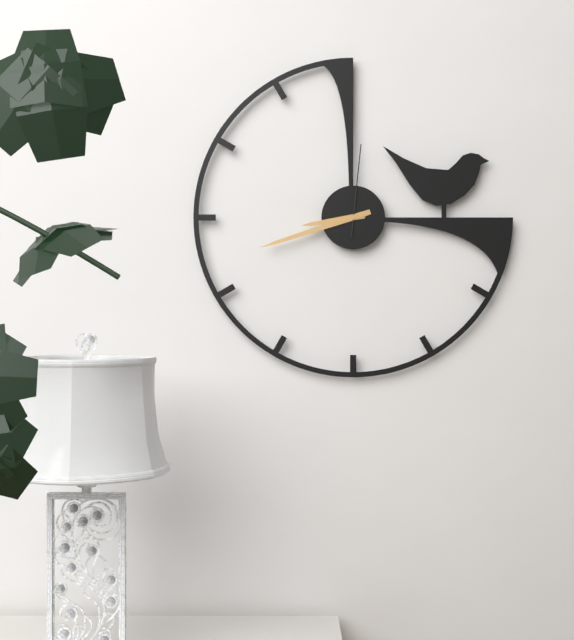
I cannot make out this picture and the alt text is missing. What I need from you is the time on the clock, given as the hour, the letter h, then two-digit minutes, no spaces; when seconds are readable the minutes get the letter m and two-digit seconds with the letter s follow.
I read 8h42m01s
